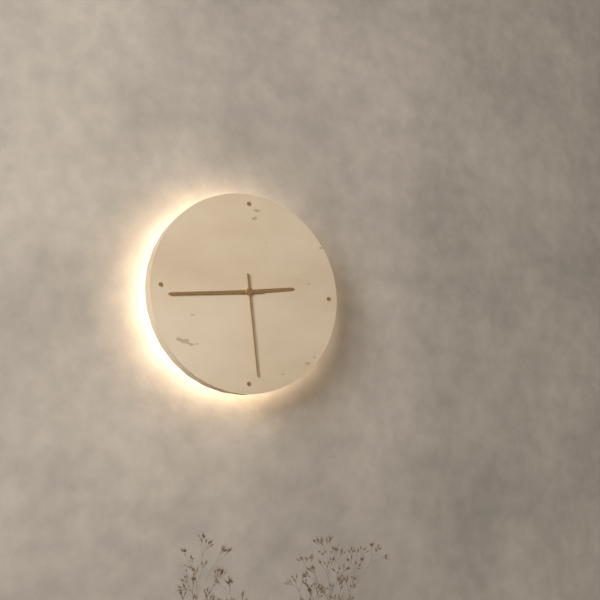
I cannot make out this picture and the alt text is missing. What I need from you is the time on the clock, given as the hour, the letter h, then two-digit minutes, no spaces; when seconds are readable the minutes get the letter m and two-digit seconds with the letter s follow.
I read 2h44m29s
